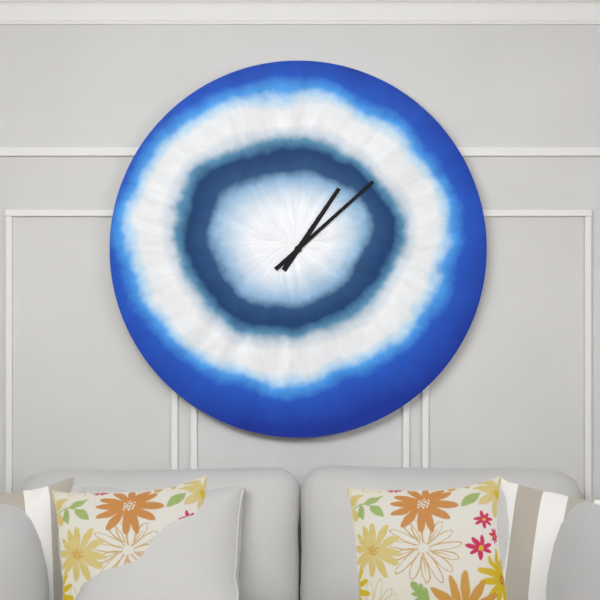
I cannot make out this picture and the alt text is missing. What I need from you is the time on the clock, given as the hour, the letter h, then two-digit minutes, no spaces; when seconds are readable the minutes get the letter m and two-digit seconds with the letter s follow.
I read 1h08
